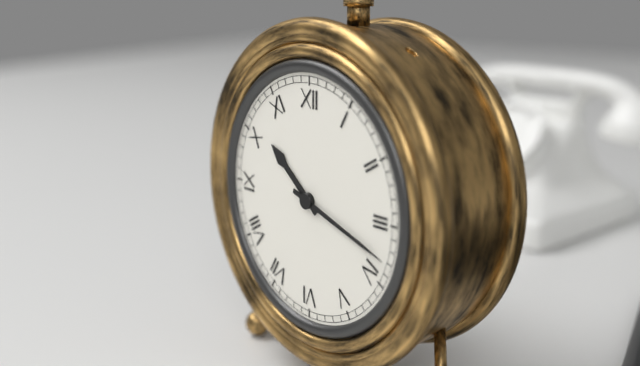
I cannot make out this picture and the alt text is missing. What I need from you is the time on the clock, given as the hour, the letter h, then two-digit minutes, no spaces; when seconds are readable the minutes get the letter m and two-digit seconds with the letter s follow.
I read 10h18
